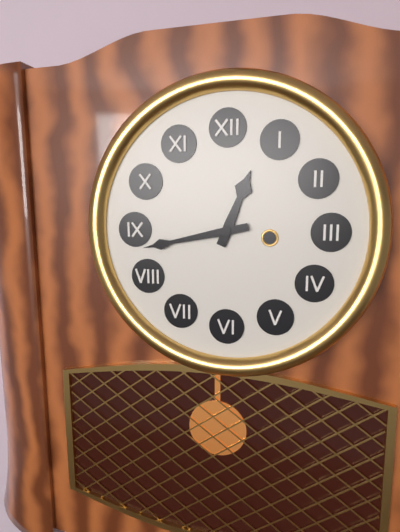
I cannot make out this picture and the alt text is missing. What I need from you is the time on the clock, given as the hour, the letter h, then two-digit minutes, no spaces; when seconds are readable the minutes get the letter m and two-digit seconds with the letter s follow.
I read 12h43
